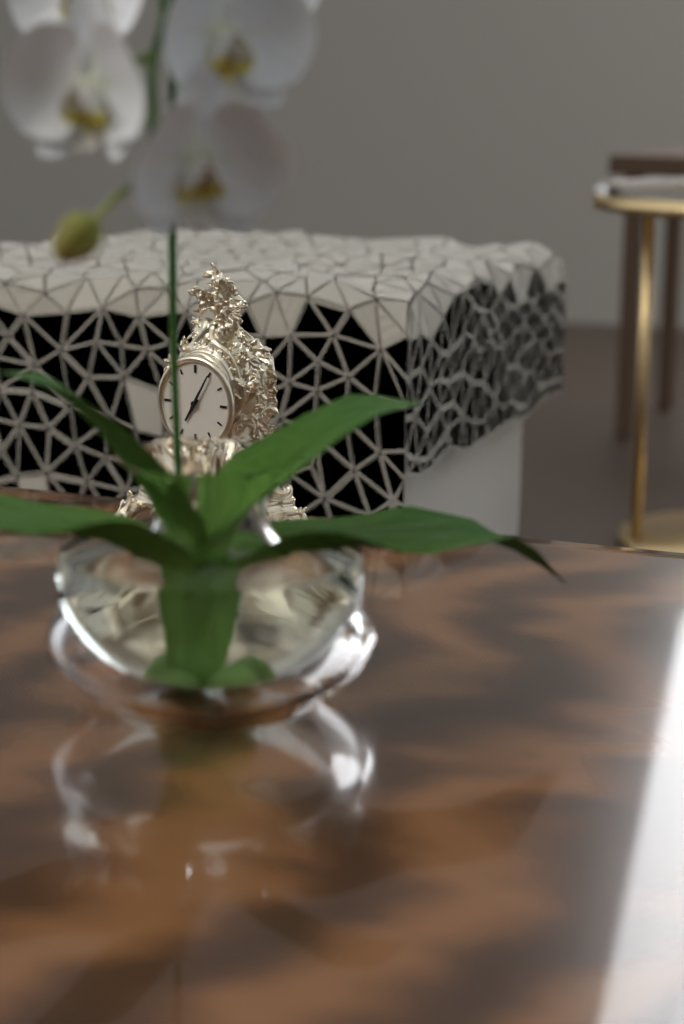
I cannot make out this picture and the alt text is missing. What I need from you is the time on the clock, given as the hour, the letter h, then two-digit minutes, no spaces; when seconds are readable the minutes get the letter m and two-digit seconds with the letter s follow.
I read 7h05
